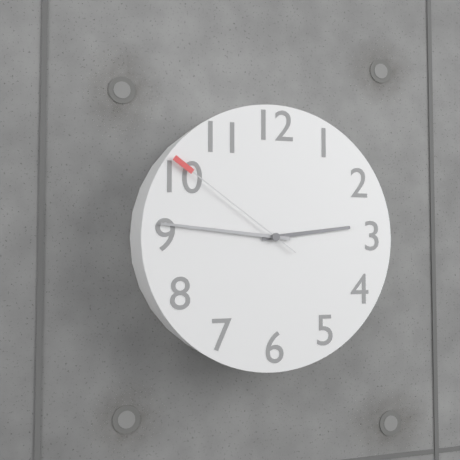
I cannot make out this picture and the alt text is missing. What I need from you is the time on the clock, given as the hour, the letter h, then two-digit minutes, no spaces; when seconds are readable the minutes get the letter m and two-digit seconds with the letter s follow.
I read 2h46m51s
